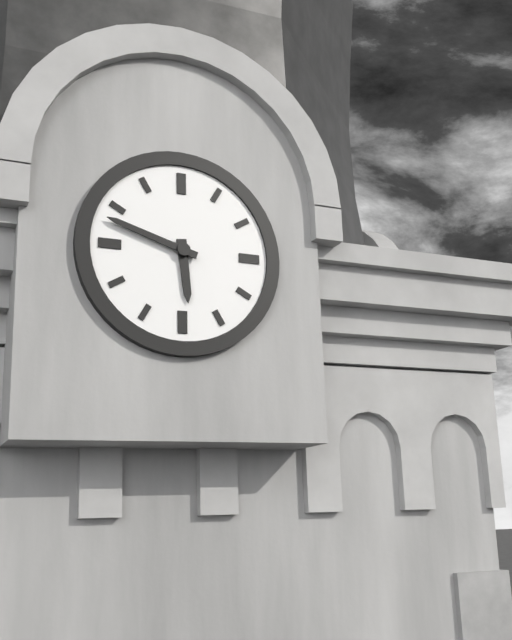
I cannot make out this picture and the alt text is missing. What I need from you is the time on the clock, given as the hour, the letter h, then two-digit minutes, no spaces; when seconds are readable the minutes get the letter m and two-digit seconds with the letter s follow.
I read 5h48
